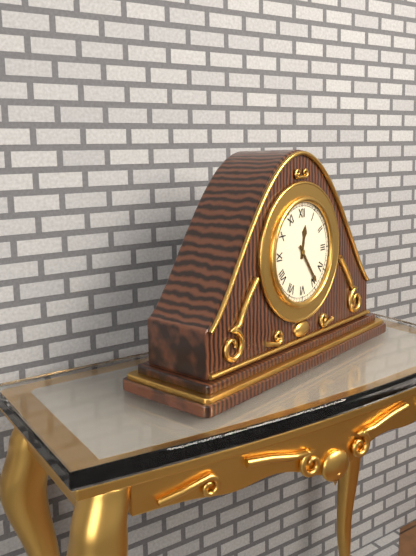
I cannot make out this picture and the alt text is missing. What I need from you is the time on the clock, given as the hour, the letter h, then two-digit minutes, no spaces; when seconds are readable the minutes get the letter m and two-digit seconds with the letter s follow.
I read 12h24
